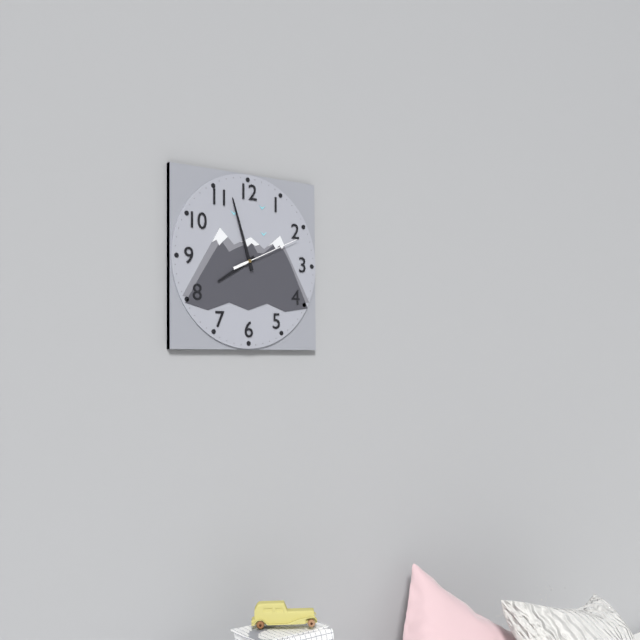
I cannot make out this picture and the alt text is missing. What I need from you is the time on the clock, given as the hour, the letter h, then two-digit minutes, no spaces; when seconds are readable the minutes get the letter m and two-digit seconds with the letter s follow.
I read 7h57m11s
